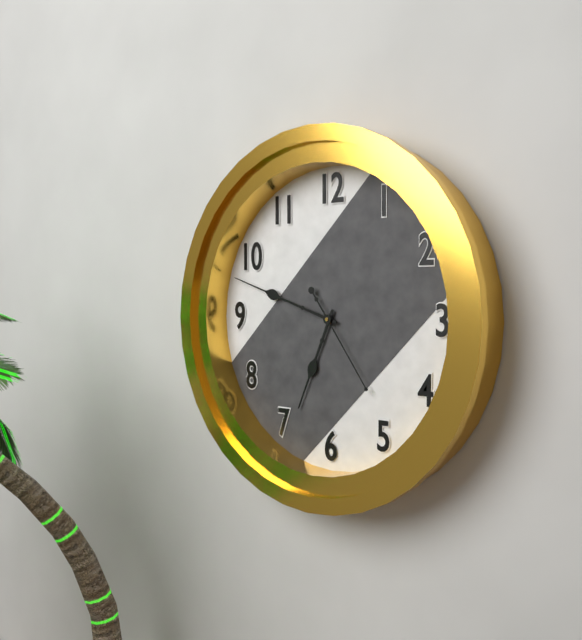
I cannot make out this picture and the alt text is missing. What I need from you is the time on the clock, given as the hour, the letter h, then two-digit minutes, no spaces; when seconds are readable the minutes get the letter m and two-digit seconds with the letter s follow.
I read 6h48m24s
